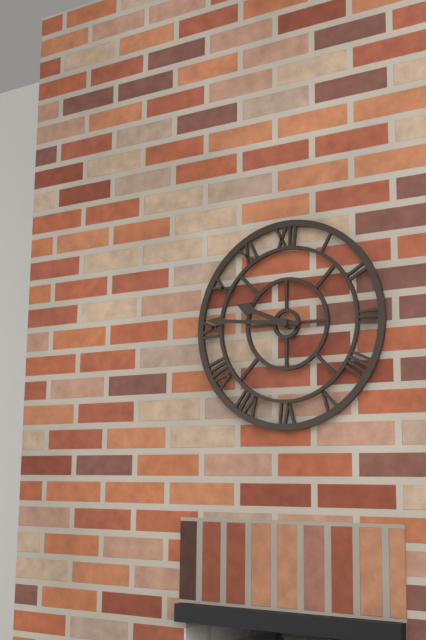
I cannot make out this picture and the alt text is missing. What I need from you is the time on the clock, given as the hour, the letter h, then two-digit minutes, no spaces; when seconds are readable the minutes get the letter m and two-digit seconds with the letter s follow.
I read 9h46
